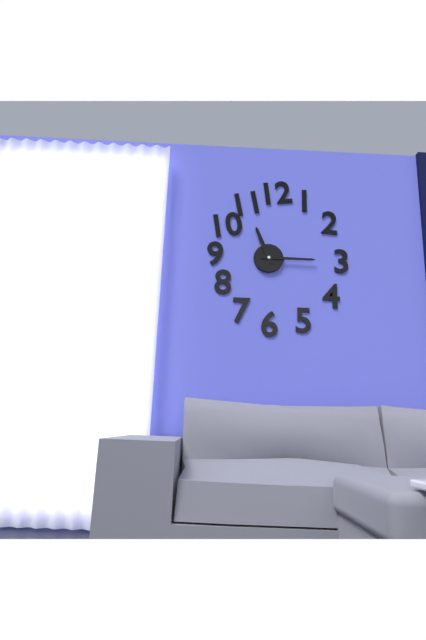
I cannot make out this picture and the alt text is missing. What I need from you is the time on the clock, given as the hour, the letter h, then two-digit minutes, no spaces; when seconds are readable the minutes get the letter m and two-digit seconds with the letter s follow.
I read 11h15
